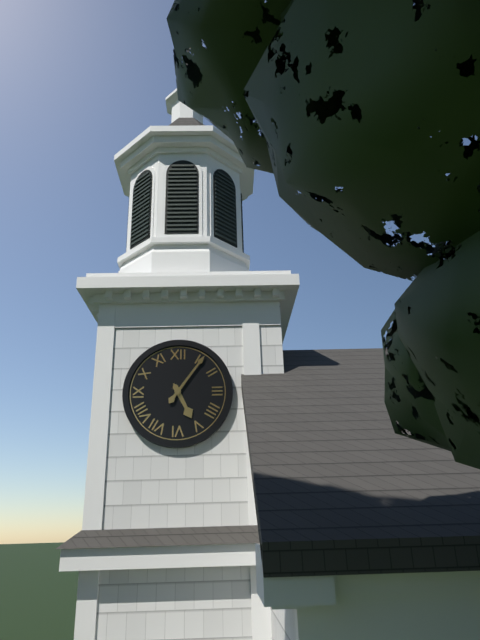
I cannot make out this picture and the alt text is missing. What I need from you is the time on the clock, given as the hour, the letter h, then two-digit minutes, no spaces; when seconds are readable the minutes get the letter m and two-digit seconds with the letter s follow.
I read 5h06
